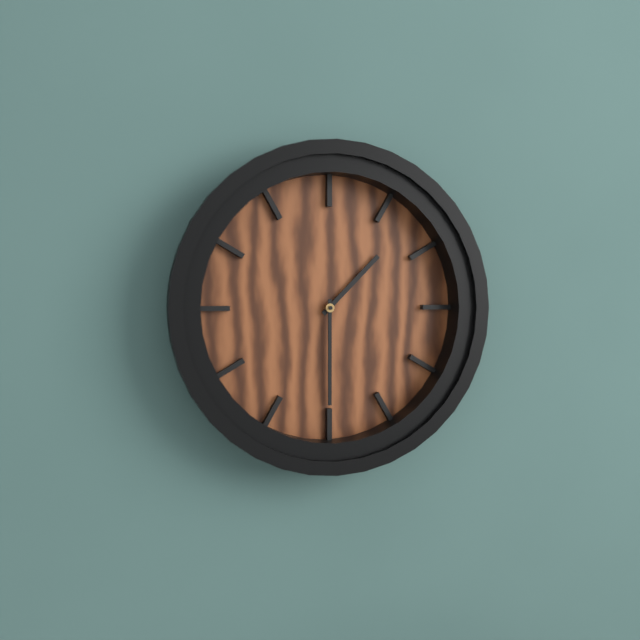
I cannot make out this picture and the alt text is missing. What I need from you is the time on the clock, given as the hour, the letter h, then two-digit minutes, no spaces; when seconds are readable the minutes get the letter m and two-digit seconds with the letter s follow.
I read 1h30
